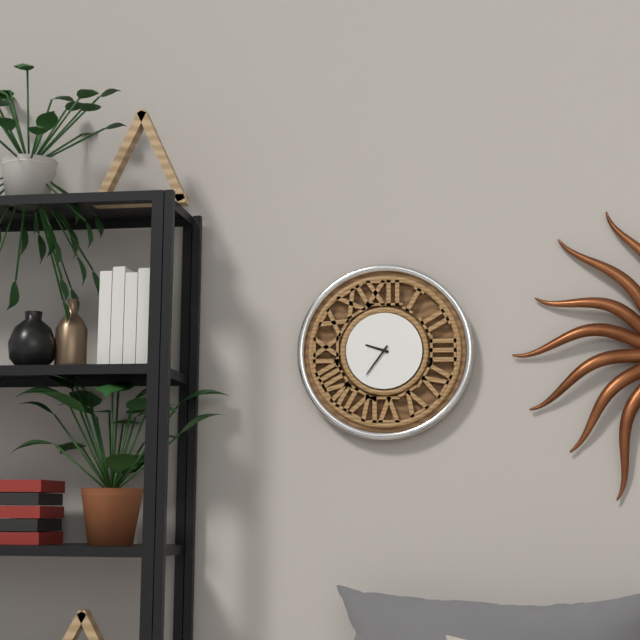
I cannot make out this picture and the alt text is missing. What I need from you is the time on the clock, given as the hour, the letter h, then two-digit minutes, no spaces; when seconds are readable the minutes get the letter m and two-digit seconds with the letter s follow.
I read 9h36
